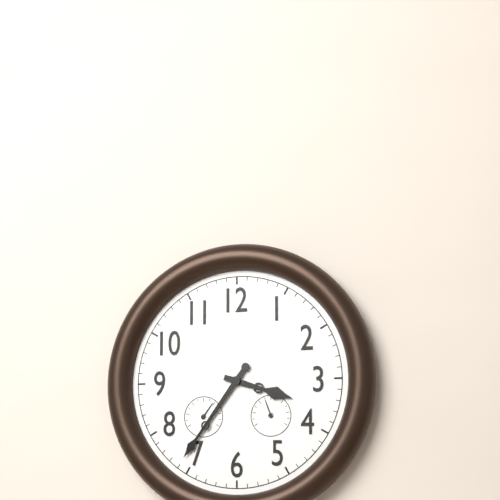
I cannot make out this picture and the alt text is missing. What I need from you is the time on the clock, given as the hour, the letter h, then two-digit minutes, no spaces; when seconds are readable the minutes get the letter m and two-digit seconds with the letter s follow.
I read 3h36
